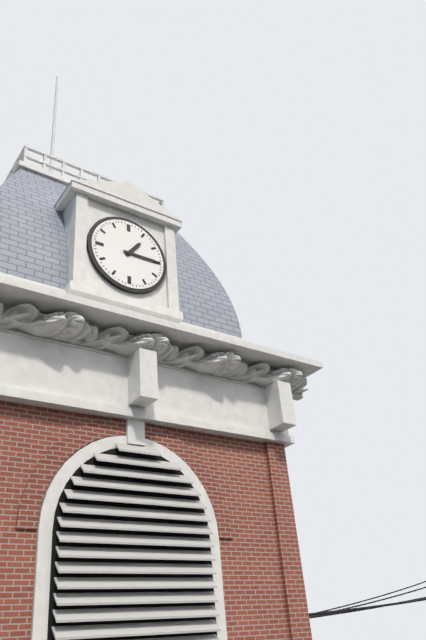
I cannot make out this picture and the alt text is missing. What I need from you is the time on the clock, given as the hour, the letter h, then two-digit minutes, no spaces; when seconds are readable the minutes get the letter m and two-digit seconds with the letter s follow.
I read 1h15
